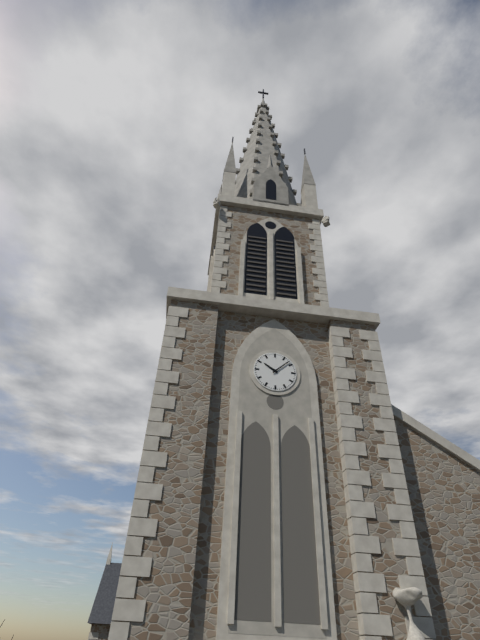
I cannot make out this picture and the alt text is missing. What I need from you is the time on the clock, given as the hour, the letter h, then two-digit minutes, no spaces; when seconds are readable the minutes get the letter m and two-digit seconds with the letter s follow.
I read 10h08
